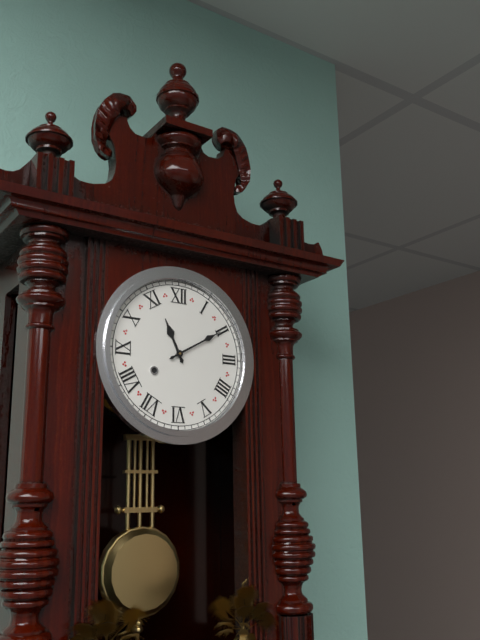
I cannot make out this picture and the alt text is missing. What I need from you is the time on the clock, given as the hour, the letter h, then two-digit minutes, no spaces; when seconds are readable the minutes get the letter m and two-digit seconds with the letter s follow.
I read 11h10
